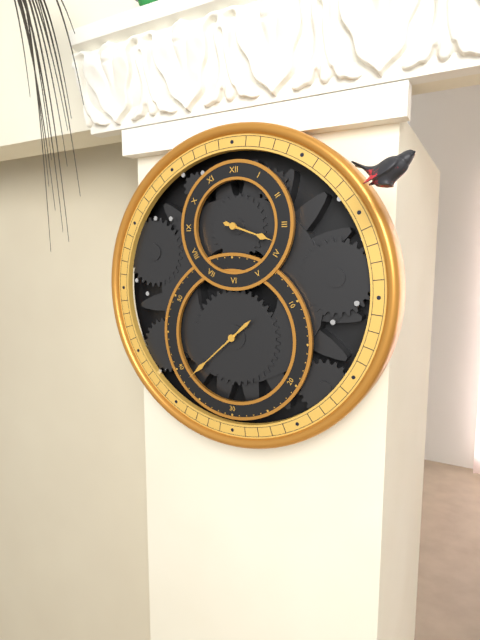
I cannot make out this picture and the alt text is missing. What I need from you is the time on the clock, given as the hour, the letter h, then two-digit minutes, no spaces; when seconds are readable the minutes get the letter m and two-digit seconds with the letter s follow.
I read 3h38
